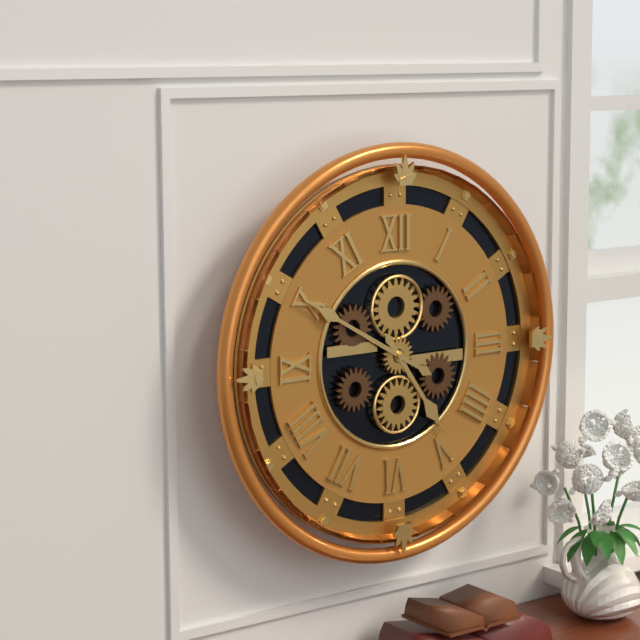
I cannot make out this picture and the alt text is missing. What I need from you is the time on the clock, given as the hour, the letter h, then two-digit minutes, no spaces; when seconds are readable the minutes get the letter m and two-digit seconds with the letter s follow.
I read 4h50
